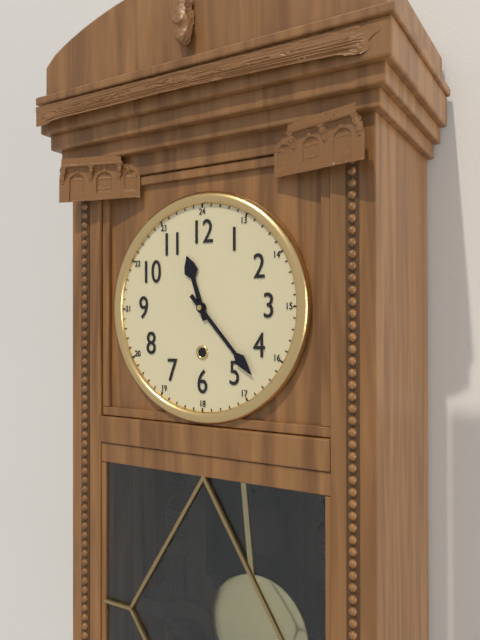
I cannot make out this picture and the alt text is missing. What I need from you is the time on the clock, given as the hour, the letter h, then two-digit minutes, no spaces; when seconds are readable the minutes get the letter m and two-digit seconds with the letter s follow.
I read 11h23
